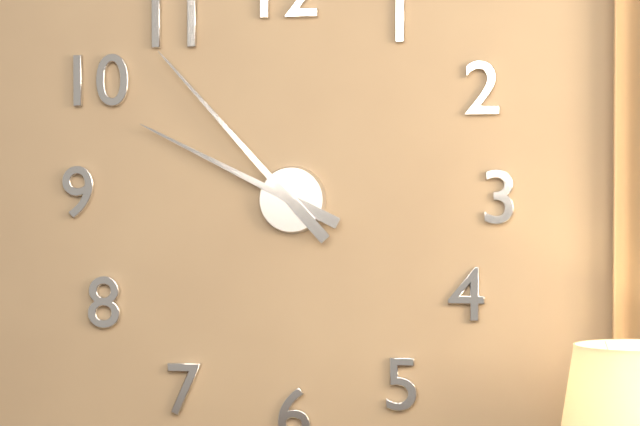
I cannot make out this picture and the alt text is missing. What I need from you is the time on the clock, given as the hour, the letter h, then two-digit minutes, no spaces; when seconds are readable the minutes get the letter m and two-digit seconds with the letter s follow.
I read 9h53
